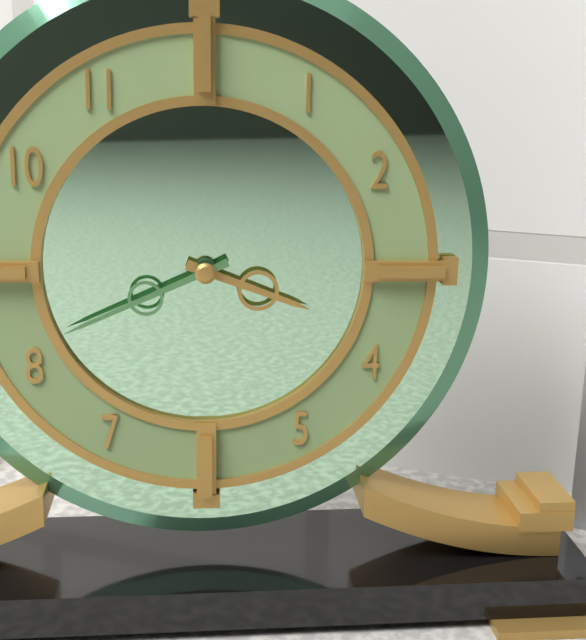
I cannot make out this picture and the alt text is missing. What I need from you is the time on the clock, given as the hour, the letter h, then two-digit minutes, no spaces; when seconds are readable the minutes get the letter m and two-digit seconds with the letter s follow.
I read 3h41
